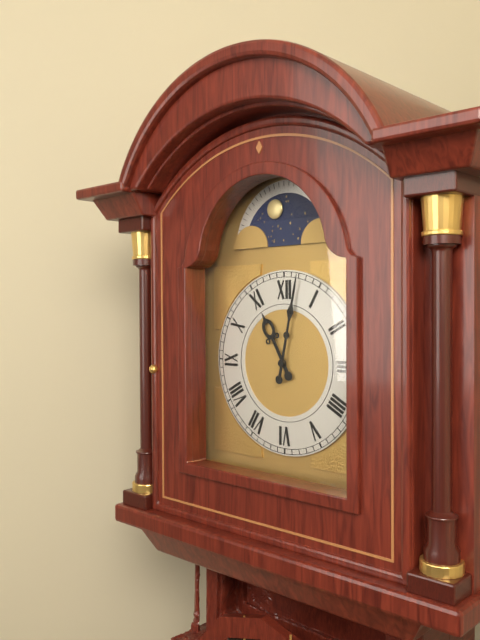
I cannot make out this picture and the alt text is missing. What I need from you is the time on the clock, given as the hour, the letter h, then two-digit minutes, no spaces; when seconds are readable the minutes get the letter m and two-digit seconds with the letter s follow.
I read 11h02
